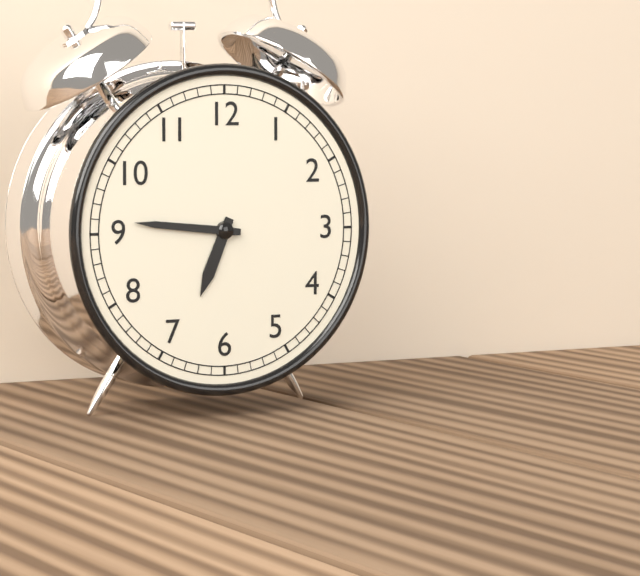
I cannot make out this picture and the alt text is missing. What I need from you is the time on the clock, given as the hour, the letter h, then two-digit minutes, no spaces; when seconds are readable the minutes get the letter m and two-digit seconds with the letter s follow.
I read 6h46
